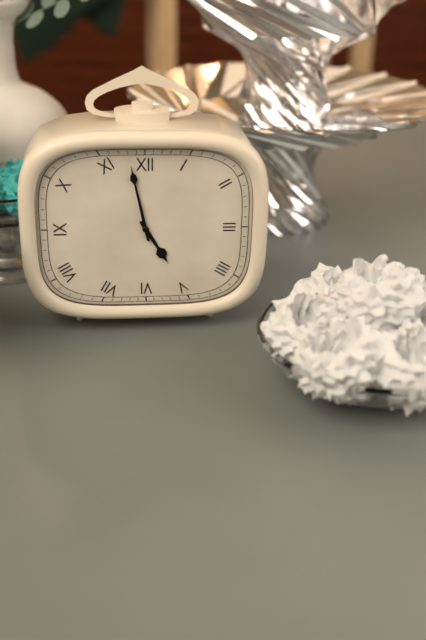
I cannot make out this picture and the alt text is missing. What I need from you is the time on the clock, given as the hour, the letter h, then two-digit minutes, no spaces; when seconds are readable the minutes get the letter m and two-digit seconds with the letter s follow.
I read 4h58
